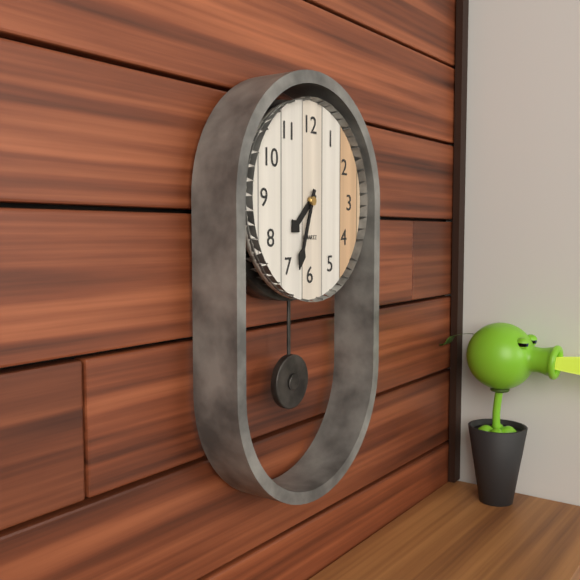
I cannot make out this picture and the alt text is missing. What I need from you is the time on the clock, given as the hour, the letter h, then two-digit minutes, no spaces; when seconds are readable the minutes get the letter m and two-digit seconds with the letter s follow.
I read 7h33
